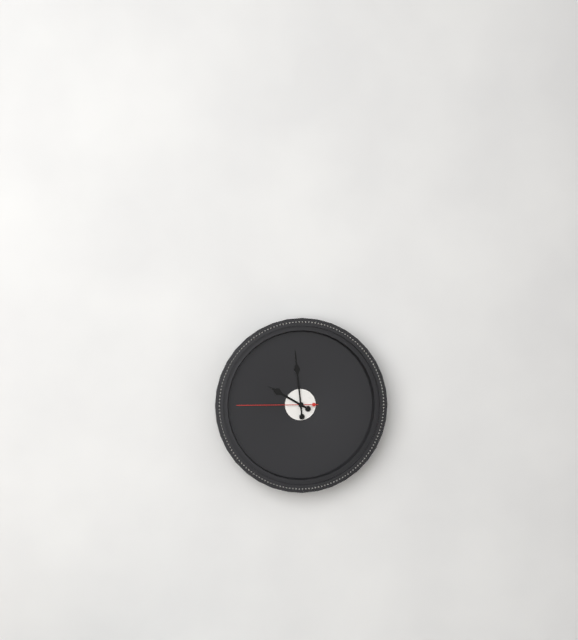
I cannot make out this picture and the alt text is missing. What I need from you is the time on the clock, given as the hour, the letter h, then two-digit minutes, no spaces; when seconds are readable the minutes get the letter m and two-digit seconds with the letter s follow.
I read 9h59m45s
